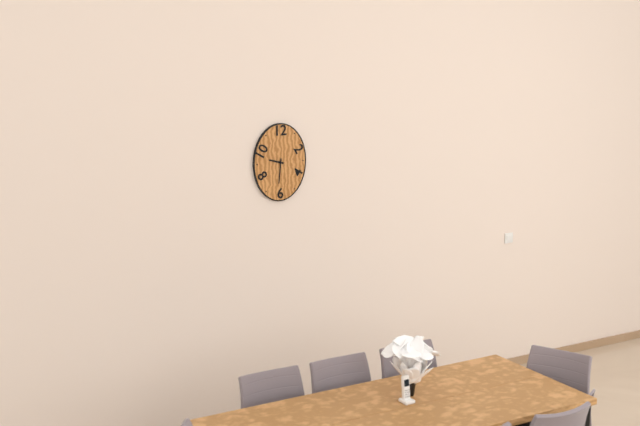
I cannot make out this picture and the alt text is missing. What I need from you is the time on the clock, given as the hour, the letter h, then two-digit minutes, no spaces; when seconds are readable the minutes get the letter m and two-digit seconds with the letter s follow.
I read 9h31
